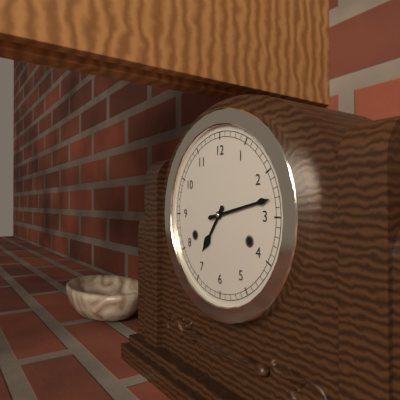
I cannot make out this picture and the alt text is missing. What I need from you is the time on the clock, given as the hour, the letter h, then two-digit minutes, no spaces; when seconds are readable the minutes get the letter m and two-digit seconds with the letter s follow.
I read 7h13
